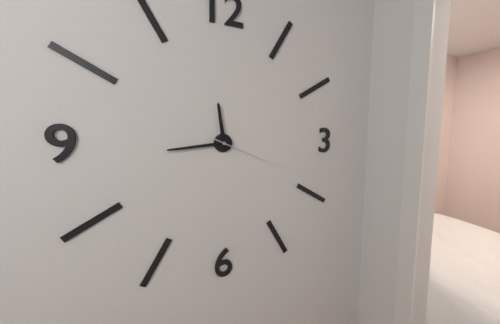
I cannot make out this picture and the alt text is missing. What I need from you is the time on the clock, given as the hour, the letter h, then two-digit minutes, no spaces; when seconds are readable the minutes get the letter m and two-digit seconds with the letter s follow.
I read 11h44m19s
